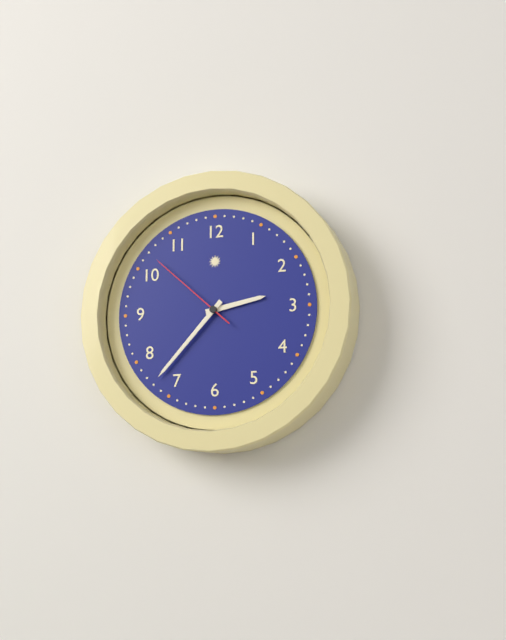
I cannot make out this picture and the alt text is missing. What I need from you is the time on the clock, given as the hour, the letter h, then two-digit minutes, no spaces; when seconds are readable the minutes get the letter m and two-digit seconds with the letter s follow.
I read 2h37m52s
